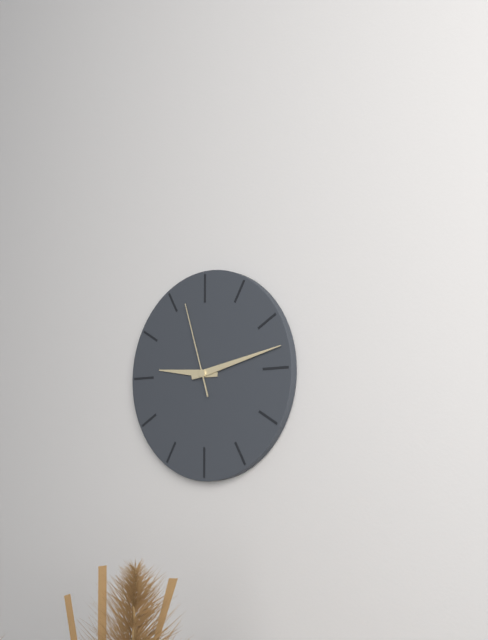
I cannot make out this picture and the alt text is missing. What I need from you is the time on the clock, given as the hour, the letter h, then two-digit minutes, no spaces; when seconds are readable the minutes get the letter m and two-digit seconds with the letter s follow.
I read 9h13m57s
